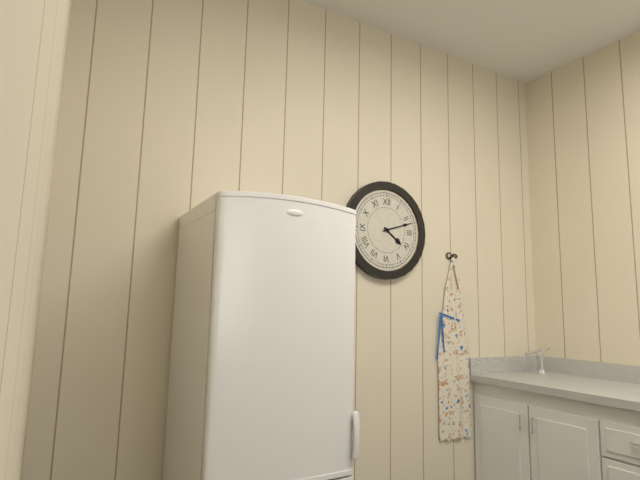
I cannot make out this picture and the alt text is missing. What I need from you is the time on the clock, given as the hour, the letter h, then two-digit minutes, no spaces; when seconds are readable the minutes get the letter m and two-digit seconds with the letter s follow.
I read 4h12
